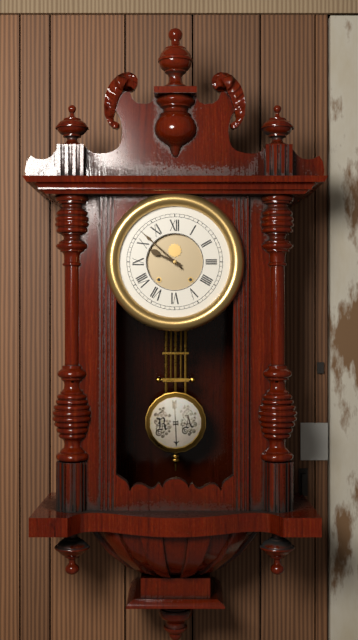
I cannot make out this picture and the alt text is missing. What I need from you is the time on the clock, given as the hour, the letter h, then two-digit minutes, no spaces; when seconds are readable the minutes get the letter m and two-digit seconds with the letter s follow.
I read 9h52
